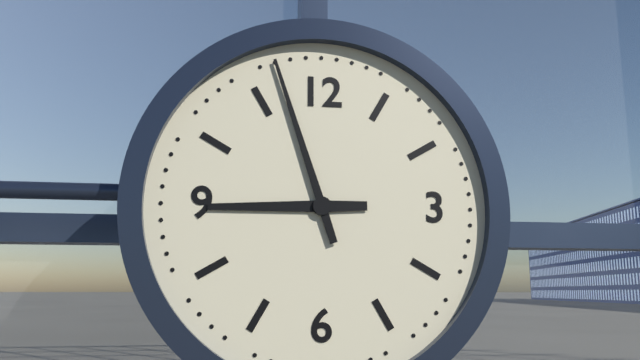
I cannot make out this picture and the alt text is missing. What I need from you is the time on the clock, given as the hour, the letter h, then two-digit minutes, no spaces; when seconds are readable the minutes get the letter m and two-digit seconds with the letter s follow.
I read 8h57
